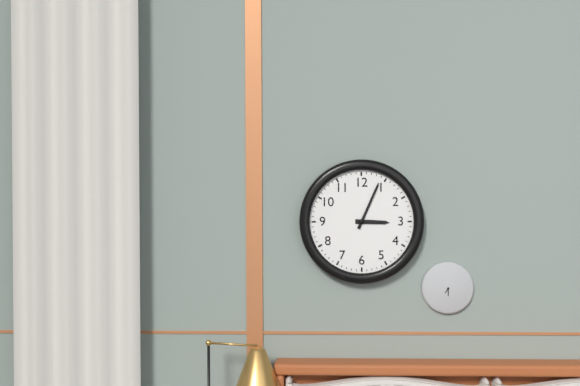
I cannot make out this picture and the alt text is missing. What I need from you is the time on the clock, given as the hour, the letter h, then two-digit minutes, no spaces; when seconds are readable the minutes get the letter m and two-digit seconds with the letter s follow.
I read 3h04
